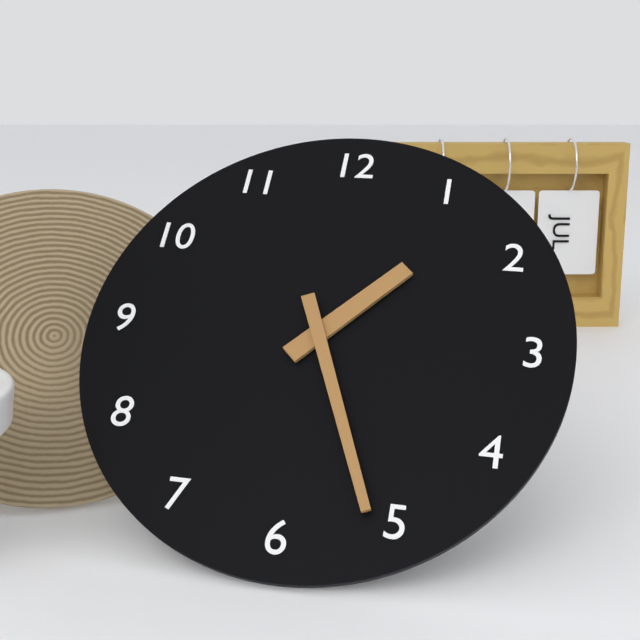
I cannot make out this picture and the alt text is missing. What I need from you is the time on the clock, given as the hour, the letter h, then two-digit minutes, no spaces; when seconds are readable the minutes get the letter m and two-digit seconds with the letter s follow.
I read 1h26
